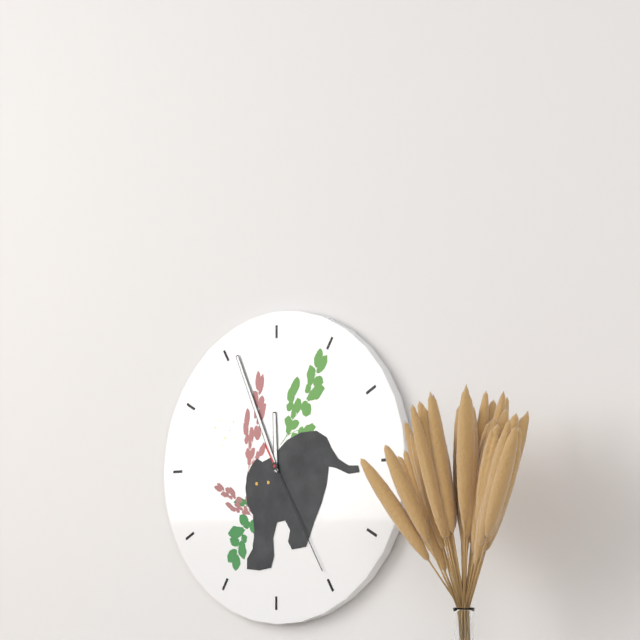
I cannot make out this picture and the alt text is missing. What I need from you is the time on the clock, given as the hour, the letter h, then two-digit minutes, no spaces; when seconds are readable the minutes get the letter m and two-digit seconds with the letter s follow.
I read 11h56m25s
